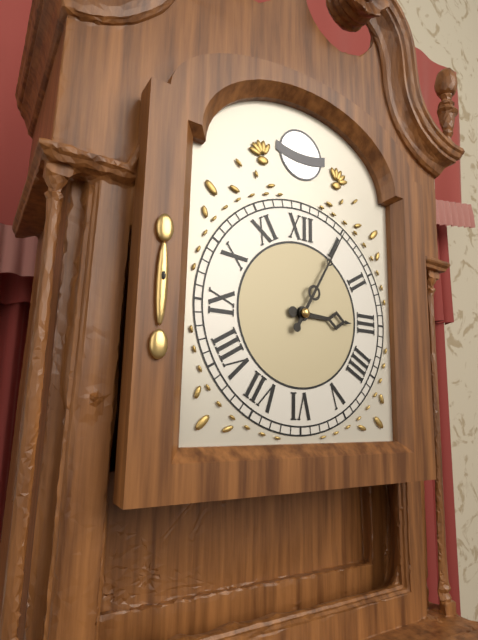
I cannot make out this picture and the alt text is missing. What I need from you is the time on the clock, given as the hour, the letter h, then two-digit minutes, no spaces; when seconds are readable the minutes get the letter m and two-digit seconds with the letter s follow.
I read 3h05
